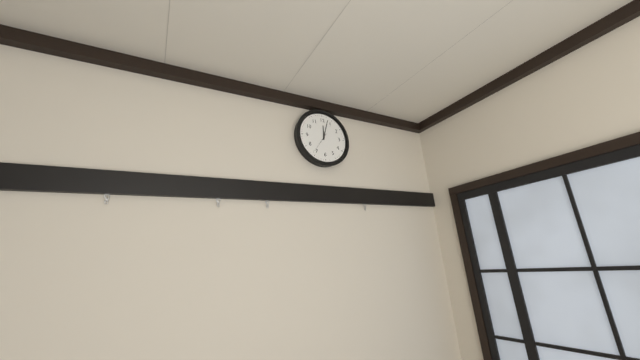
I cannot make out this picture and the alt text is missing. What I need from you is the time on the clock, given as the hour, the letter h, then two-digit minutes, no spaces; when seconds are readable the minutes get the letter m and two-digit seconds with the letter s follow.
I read 12h03
